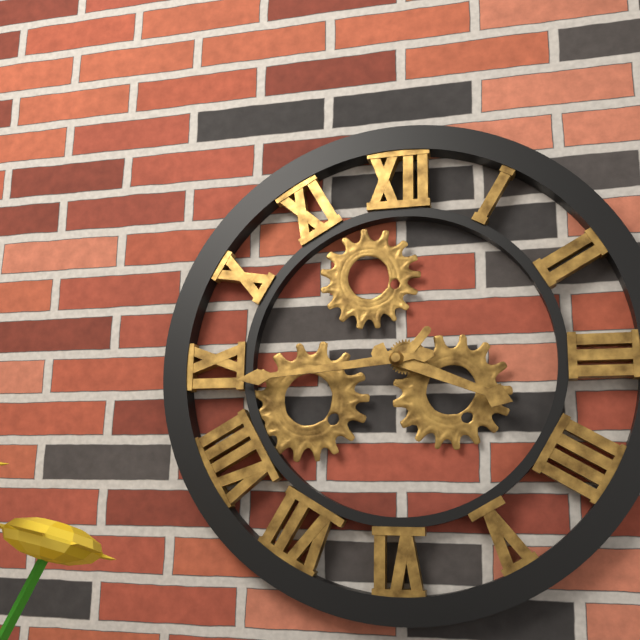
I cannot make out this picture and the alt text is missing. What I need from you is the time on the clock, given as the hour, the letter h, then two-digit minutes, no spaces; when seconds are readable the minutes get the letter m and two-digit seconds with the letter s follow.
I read 3h44
